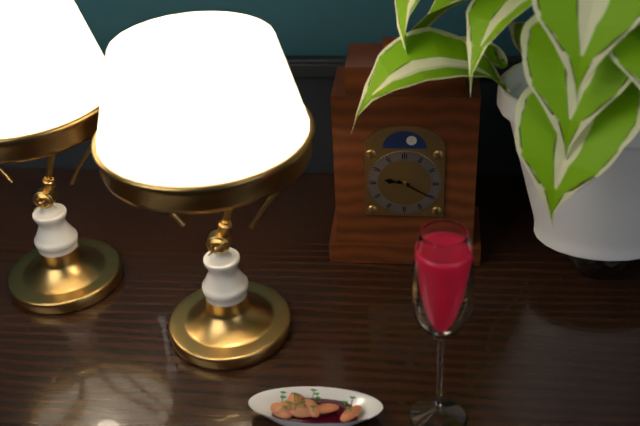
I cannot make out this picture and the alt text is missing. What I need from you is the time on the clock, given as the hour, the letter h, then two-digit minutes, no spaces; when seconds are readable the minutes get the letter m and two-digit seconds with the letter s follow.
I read 9h20
